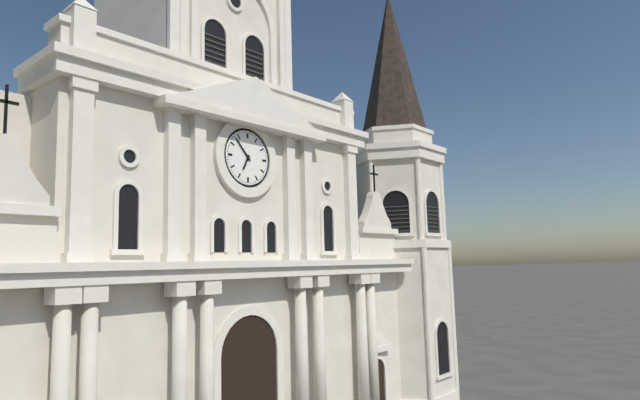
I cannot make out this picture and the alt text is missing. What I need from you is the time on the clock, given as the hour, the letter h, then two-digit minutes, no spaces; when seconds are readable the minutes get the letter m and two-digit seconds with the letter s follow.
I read 6h53
